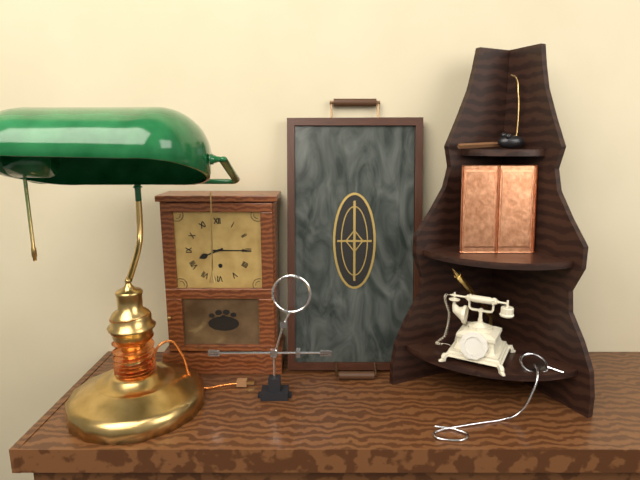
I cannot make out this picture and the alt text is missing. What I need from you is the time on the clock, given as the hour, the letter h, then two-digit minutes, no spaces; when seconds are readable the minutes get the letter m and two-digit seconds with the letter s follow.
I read 8h15
